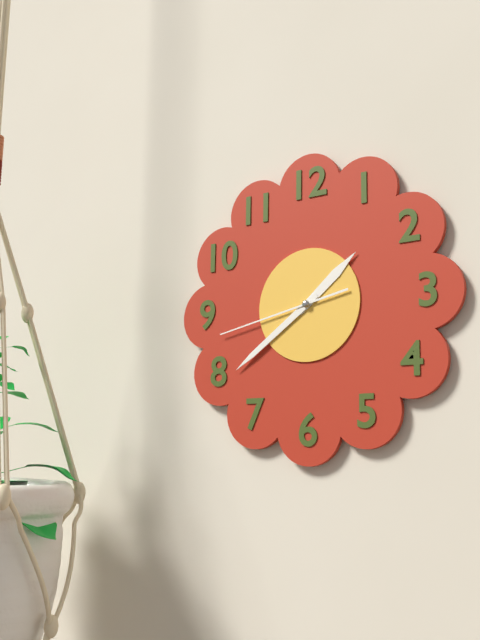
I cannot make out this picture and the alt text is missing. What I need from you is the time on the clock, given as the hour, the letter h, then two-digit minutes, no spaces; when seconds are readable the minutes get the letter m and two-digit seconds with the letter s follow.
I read 1h39m43s
